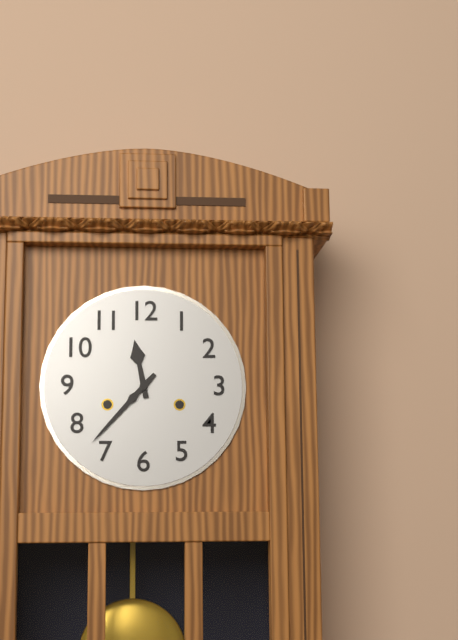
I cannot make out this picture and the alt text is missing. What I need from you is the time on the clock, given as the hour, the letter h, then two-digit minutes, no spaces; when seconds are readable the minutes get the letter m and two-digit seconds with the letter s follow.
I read 11h37
